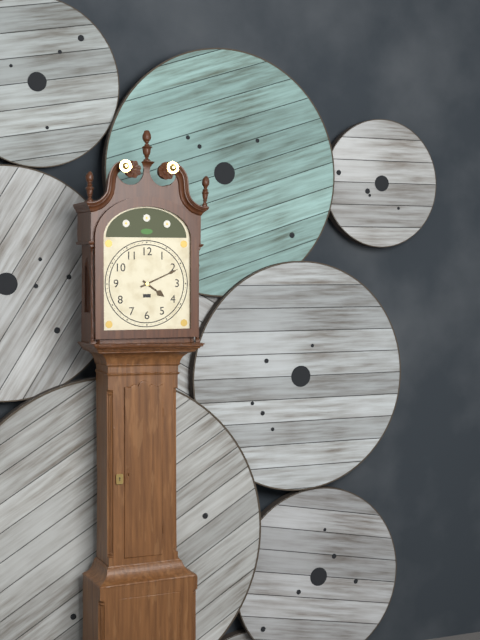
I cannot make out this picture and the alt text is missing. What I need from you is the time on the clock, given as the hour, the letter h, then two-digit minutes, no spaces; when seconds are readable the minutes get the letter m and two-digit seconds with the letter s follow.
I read 4h11
